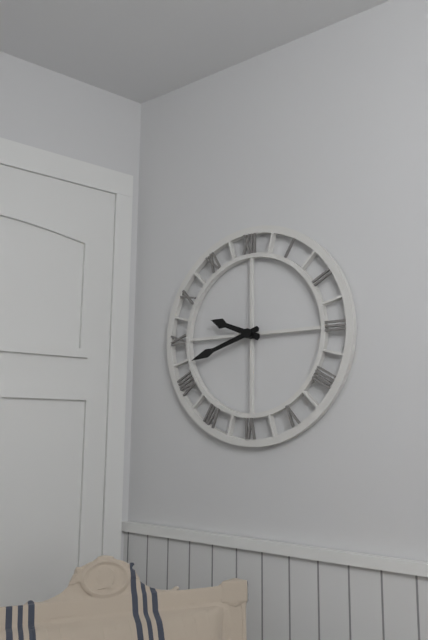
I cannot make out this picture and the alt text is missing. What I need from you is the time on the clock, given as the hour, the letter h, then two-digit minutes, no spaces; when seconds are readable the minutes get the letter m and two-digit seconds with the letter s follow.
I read 9h42
